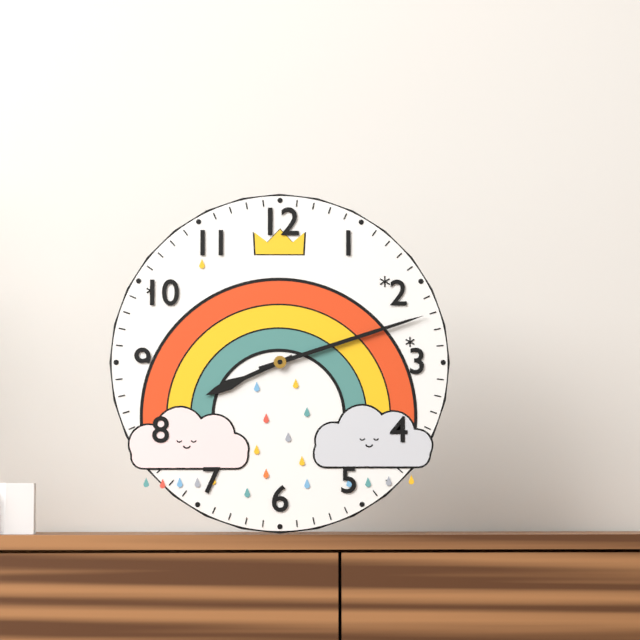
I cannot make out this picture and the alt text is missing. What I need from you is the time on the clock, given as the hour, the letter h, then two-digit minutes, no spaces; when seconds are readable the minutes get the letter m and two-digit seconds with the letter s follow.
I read 8h12
